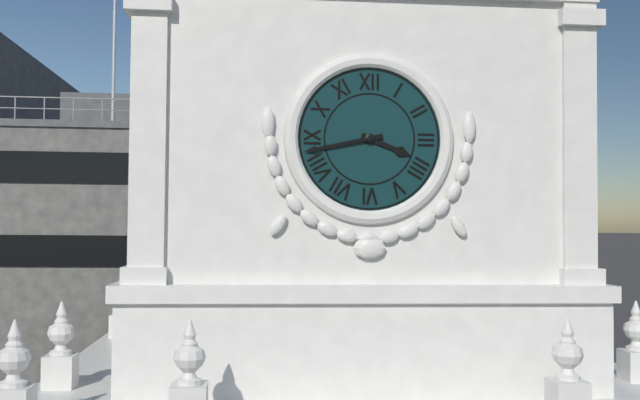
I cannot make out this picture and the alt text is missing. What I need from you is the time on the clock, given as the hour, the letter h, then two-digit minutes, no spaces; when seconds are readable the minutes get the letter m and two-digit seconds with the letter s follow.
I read 3h43
